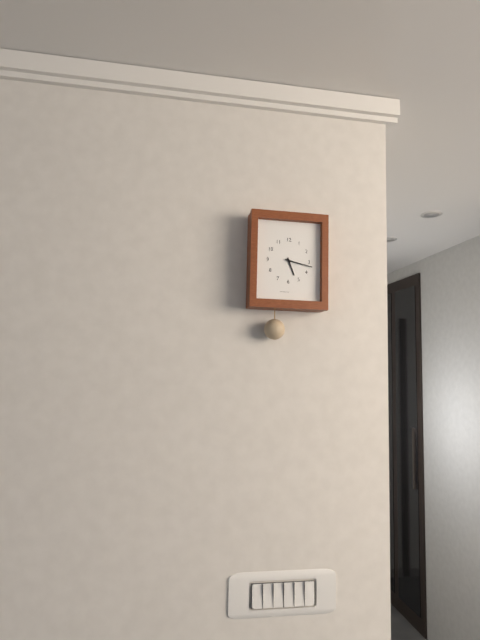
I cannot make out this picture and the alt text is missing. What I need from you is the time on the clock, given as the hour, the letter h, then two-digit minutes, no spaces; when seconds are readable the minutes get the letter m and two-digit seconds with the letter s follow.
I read 5h17
